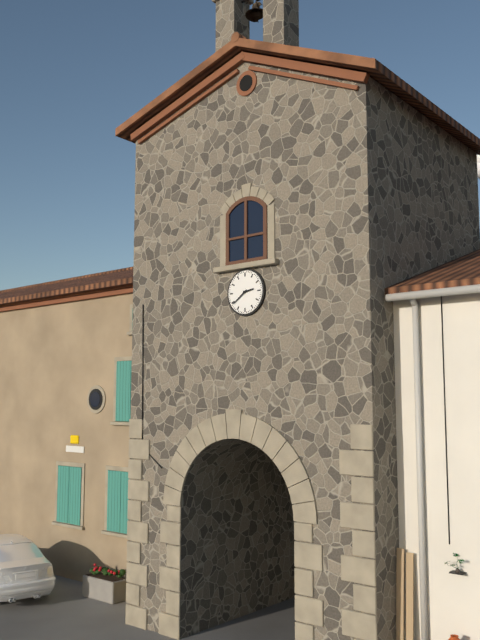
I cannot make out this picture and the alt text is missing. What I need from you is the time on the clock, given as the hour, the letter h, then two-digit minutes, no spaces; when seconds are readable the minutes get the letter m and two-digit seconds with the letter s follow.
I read 2h39
